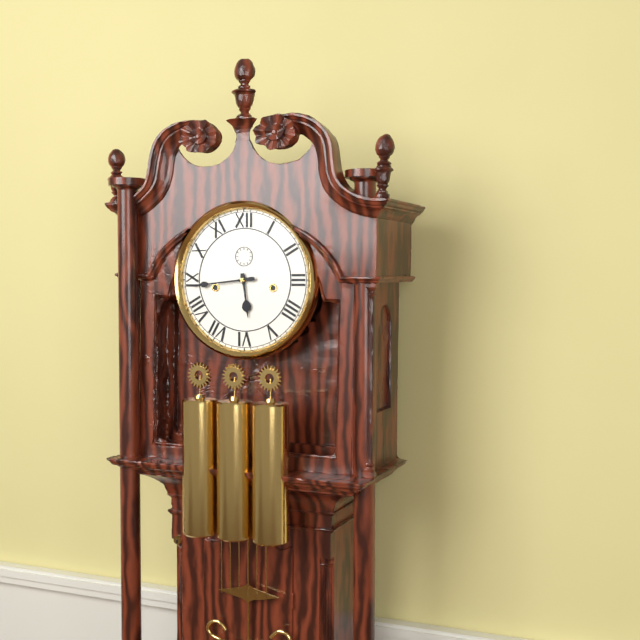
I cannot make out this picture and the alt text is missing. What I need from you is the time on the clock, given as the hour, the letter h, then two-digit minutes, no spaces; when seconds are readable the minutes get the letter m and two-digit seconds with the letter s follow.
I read 5h44
